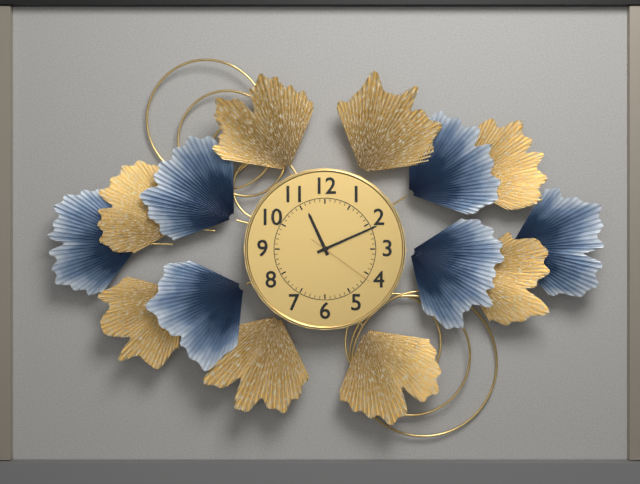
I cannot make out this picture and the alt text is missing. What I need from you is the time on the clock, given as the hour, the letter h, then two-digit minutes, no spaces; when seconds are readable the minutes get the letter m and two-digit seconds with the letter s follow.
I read 11h11m21s
